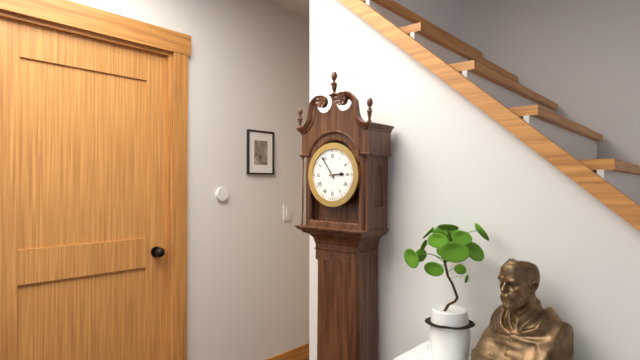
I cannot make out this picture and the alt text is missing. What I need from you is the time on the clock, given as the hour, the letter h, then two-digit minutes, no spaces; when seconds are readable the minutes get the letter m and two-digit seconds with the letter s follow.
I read 2h54
